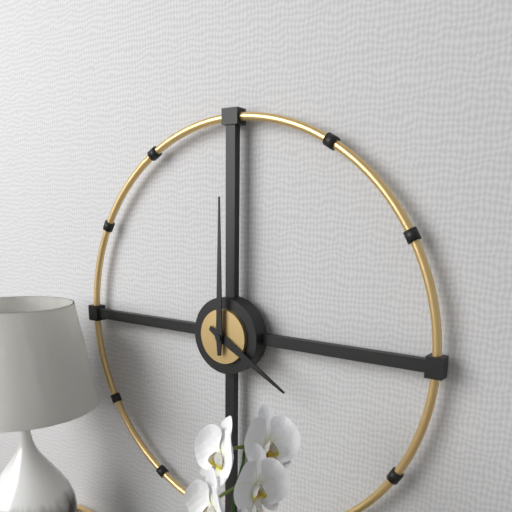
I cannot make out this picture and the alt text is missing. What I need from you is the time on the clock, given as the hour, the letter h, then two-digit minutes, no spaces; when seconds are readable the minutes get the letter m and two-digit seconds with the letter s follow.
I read 4h00
